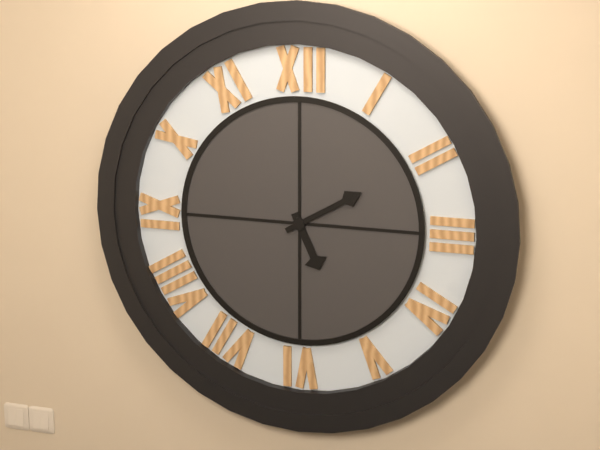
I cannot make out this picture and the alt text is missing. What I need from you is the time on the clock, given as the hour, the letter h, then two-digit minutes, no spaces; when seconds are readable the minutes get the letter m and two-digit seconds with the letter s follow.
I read 5h10
